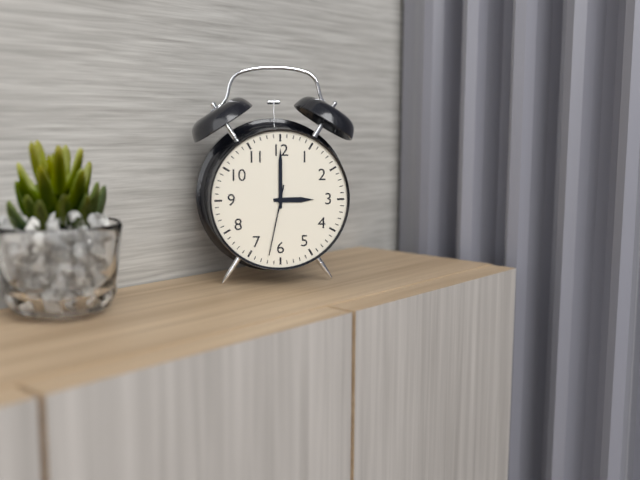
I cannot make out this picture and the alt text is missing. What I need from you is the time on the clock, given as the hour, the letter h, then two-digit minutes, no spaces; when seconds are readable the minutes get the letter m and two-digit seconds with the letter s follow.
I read 3h00m32s
